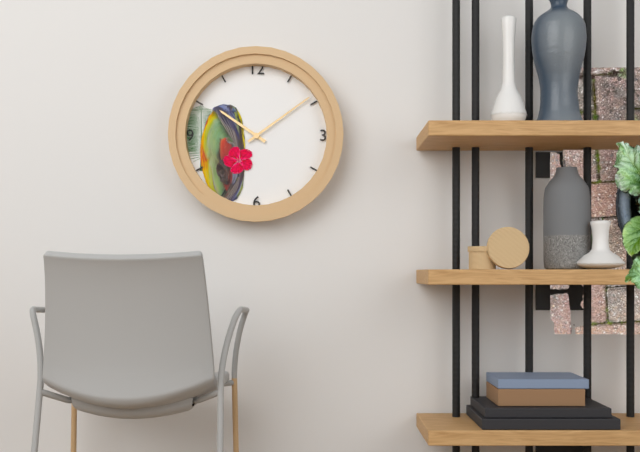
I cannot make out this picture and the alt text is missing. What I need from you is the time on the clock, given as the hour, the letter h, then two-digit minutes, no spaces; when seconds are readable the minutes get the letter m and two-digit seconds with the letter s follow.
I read 10h09
